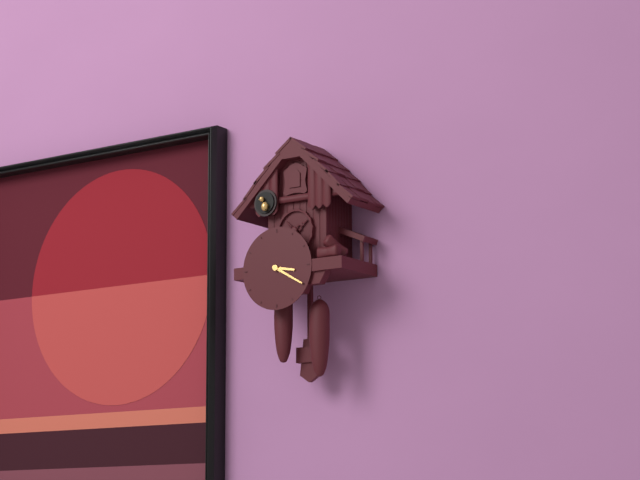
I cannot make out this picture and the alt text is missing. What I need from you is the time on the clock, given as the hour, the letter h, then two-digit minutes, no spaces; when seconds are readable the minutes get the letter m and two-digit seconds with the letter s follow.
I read 3h20
